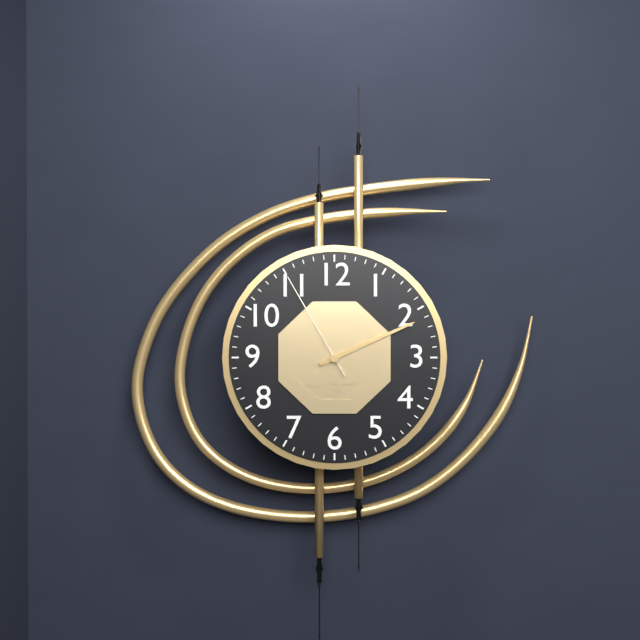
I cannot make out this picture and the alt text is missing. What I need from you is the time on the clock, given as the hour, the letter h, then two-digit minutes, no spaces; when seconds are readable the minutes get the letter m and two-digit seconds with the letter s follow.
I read 2h11m55s
